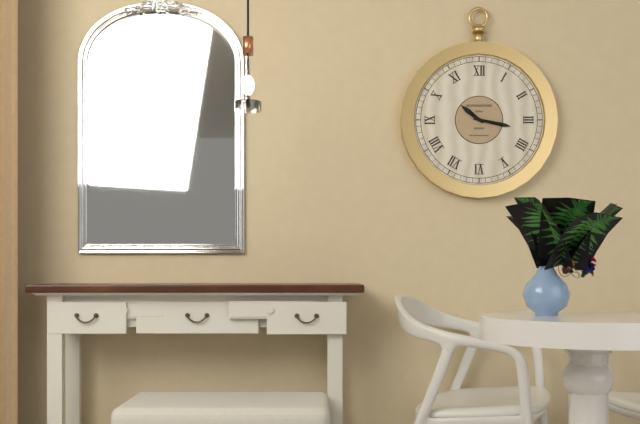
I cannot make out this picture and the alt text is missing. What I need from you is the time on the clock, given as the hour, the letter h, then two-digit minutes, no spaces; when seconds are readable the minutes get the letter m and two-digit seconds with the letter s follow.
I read 10h17
